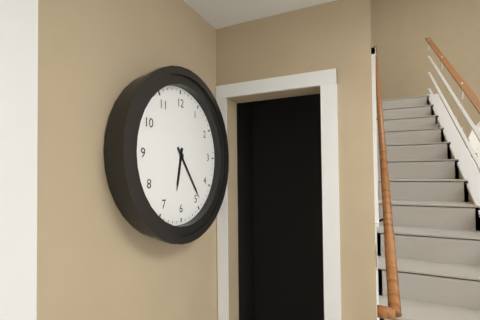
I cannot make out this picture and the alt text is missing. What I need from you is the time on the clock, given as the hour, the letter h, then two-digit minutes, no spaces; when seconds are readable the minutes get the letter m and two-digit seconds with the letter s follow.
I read 6h24
